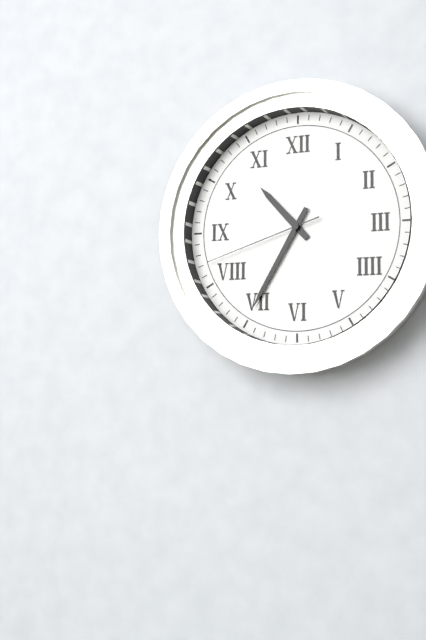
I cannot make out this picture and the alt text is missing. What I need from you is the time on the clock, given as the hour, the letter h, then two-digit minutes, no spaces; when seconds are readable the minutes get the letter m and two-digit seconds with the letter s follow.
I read 10h35m42s
